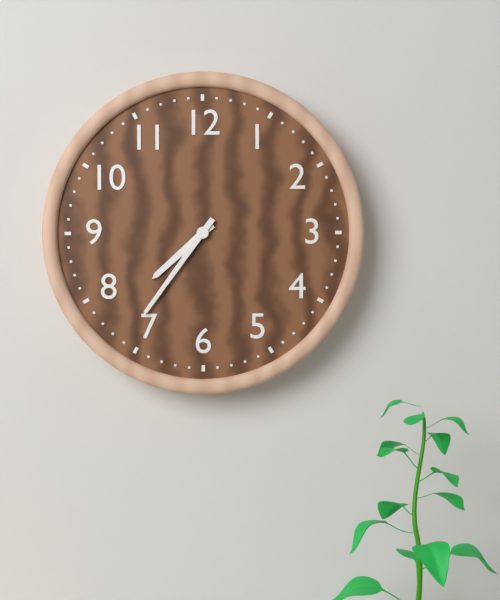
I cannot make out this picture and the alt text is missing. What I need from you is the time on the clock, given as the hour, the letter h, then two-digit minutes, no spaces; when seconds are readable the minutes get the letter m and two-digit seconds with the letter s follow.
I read 7h36
